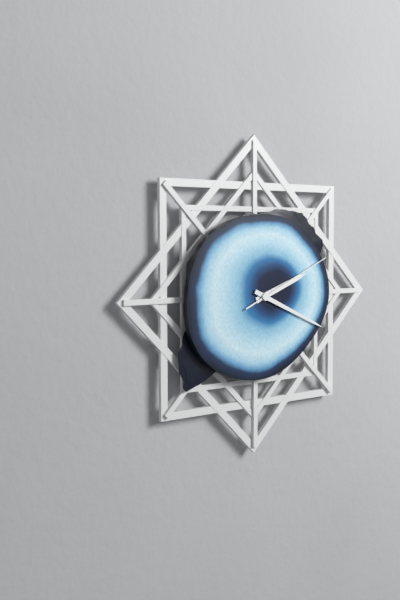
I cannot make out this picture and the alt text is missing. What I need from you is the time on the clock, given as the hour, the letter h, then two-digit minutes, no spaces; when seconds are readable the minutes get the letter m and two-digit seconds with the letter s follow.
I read 2h19m11s
